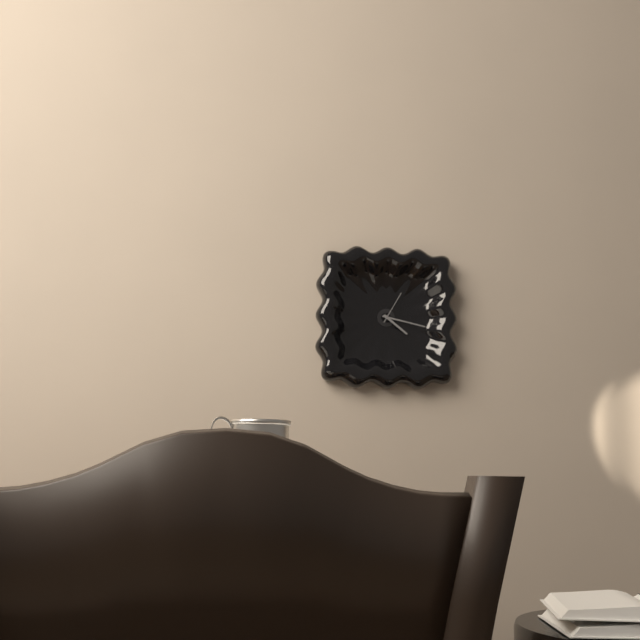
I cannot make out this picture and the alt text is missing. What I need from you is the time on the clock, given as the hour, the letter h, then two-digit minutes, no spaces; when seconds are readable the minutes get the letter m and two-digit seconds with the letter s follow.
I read 4h17
